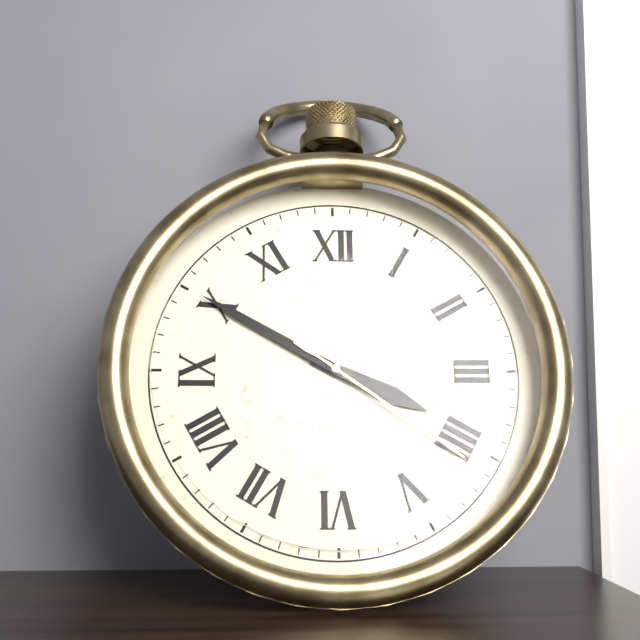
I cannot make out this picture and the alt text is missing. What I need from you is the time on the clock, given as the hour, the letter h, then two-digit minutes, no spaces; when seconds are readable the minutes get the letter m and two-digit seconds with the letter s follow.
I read 3h50m21s
